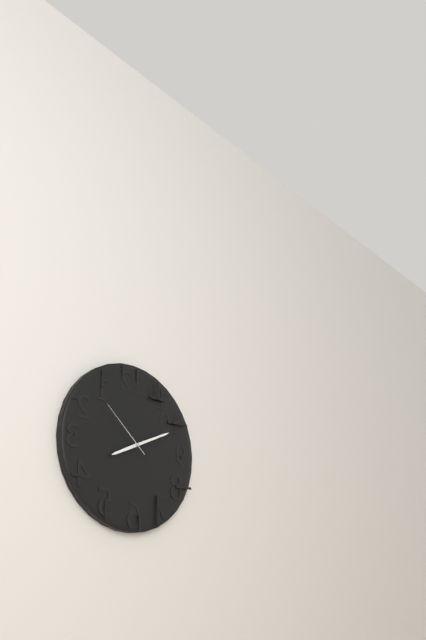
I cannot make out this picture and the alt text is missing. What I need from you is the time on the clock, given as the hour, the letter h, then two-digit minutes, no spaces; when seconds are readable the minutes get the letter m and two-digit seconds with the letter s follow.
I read 8h11m52s
